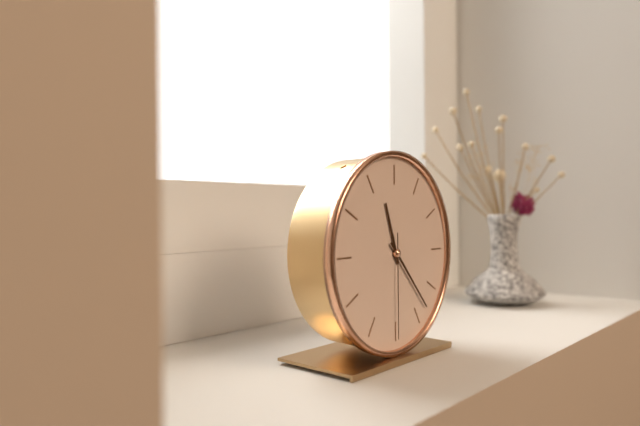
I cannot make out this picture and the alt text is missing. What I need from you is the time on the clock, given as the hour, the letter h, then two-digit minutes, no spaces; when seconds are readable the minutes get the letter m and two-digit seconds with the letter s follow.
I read 11h23m30s
